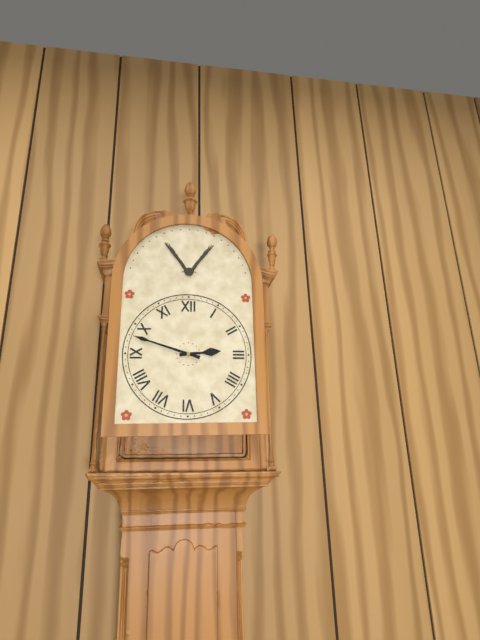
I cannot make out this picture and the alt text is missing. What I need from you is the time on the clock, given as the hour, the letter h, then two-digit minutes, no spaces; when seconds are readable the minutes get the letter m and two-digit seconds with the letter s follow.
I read 2h48
